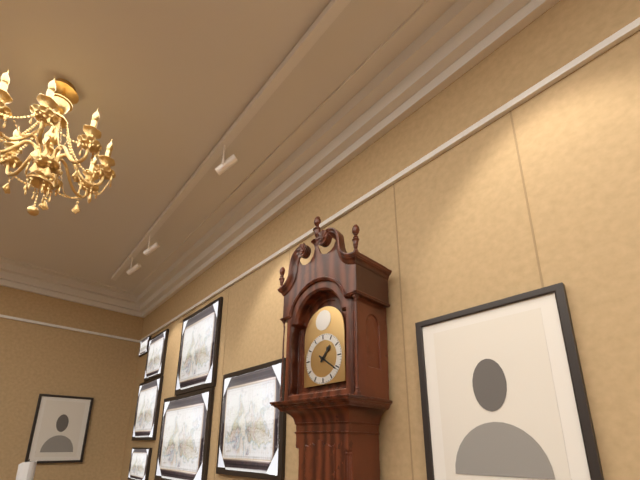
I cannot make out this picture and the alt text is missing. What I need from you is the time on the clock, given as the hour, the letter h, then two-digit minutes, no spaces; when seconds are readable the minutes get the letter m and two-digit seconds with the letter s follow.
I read 1h21
